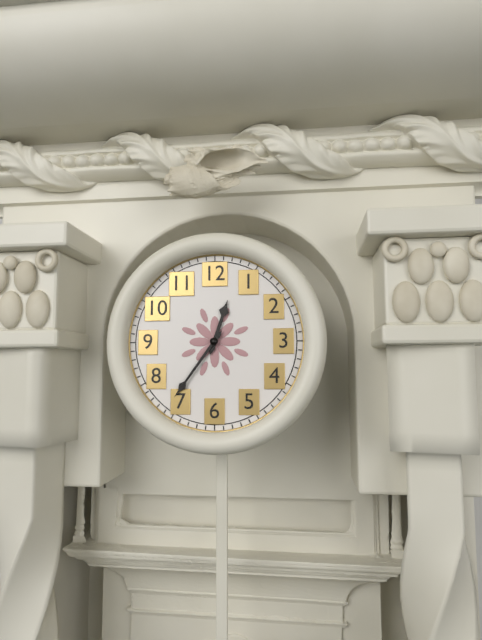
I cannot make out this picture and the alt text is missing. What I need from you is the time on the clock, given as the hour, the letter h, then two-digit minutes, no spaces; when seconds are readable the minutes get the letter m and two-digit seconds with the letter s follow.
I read 12h36
